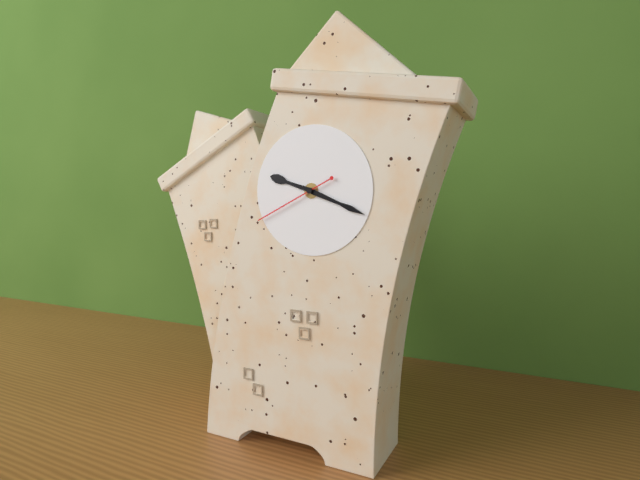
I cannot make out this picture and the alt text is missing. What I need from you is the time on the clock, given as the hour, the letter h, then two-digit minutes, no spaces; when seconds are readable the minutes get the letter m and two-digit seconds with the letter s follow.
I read 9h17m39s
